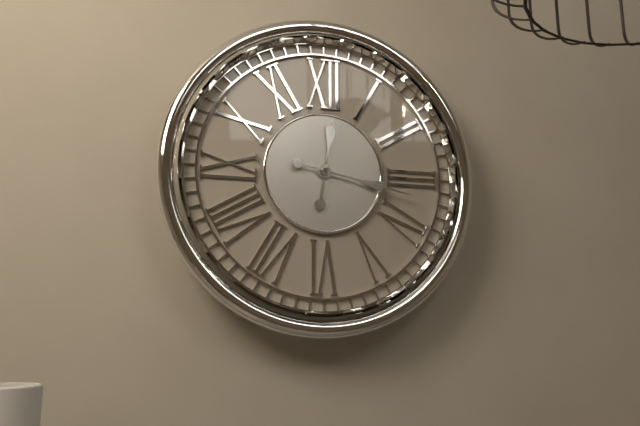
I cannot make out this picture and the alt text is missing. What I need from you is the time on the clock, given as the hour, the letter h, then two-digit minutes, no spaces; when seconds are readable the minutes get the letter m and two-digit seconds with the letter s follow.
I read 12h17
